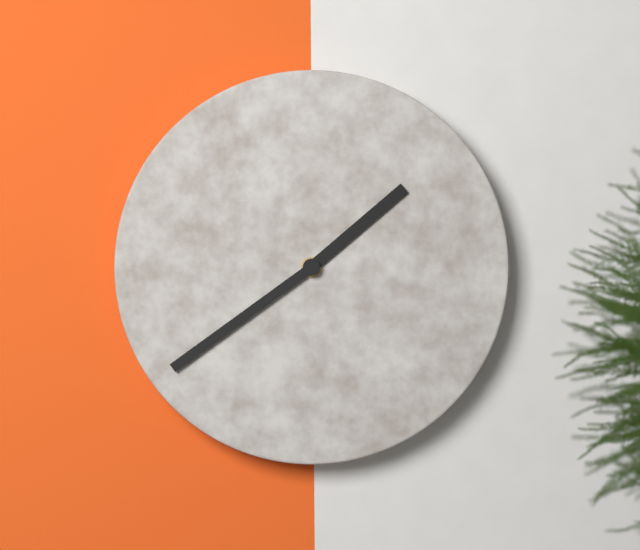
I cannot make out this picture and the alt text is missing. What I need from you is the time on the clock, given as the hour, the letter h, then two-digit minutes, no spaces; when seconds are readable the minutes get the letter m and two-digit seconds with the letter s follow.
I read 1h39
